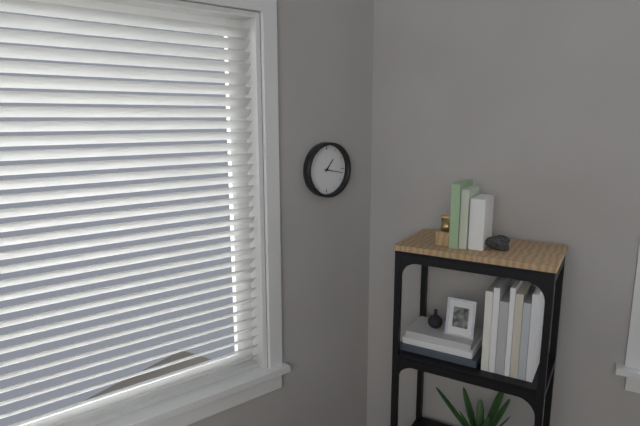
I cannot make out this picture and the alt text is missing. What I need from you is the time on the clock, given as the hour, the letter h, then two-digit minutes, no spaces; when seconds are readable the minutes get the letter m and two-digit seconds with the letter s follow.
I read 1h17
